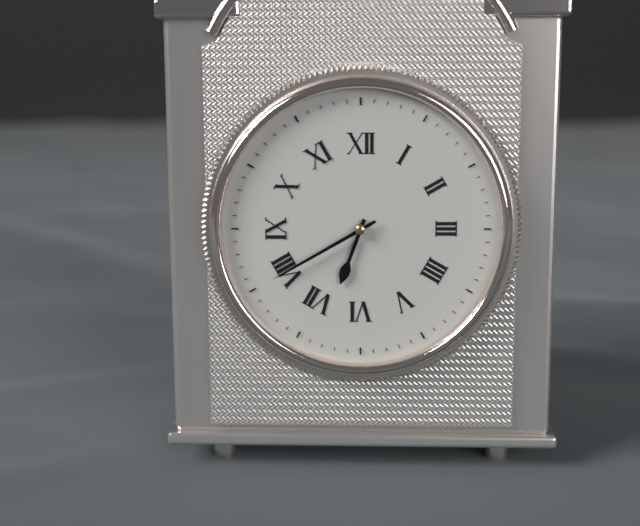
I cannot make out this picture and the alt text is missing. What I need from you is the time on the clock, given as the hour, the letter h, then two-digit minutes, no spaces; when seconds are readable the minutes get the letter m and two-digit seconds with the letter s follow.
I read 6h40
